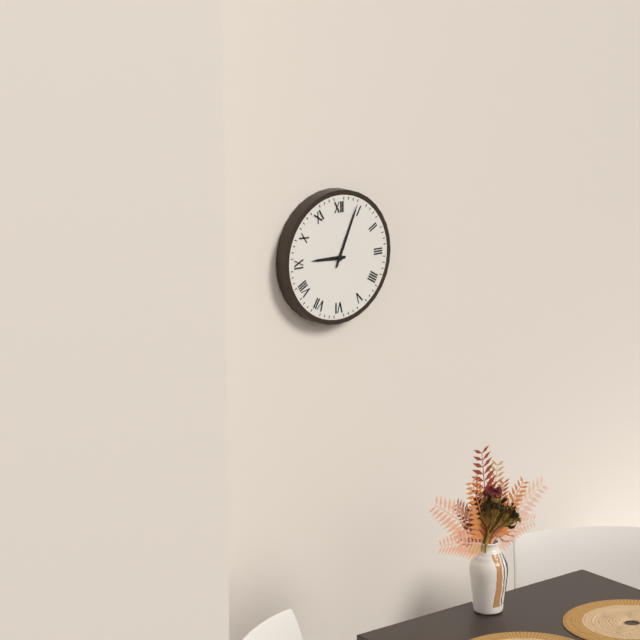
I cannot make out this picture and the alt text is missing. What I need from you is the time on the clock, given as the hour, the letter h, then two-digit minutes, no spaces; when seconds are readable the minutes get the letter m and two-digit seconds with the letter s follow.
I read 9h04
